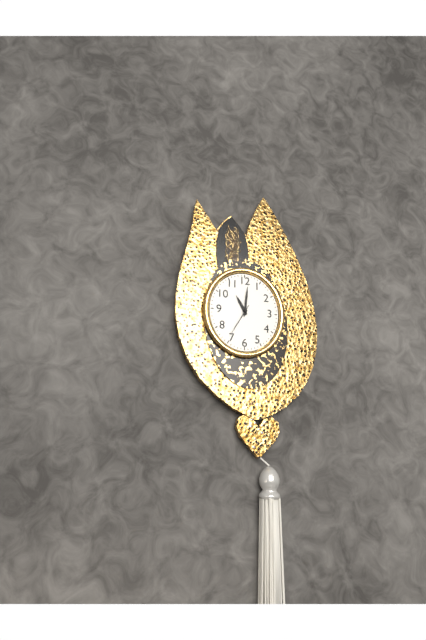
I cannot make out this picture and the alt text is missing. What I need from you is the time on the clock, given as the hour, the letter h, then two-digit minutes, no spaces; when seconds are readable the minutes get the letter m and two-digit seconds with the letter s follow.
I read 11h01
